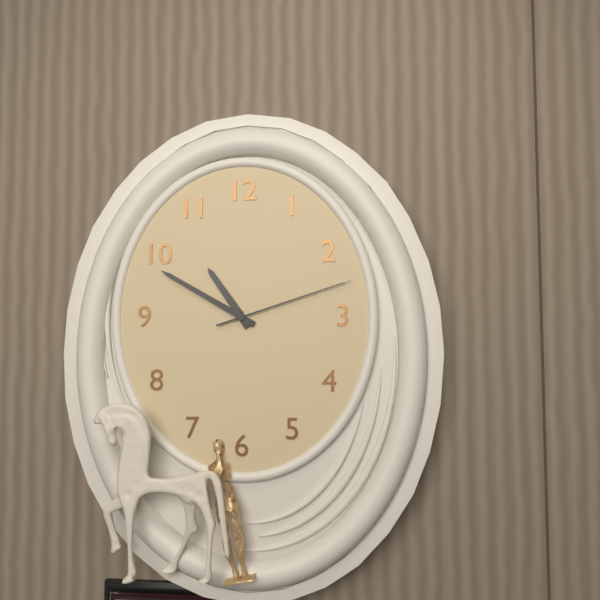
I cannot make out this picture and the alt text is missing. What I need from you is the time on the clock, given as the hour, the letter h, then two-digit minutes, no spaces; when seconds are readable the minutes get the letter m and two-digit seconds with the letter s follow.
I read 10h50m12s
